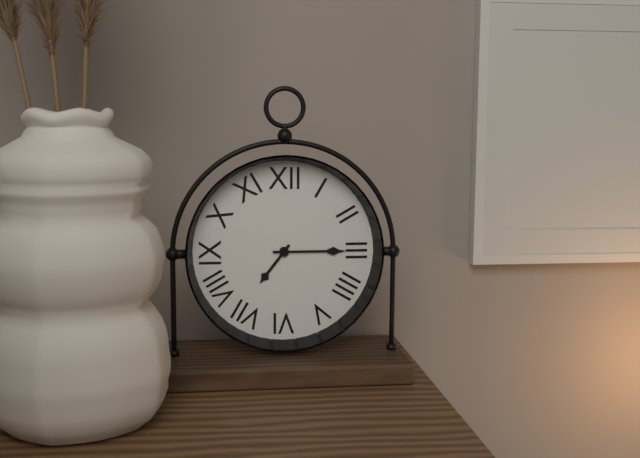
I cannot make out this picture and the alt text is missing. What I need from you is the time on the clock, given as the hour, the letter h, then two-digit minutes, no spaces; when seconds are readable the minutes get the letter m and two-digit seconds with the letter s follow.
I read 7h15
